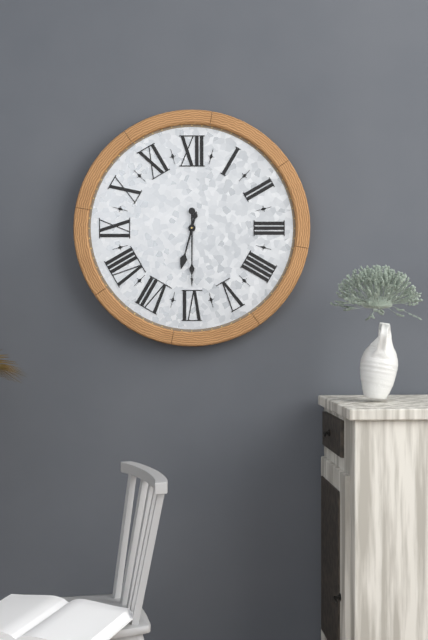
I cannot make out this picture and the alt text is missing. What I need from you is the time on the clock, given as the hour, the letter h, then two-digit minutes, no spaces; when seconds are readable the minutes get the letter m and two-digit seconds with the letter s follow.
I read 6h30
